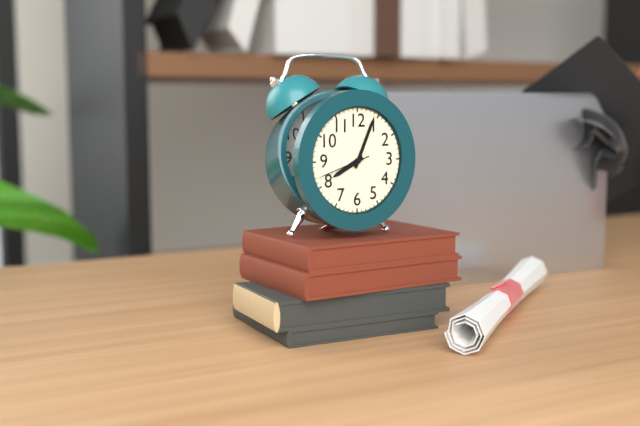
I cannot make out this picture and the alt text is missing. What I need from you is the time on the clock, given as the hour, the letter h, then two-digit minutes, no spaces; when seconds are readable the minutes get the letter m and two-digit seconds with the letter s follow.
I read 8h04m42s
